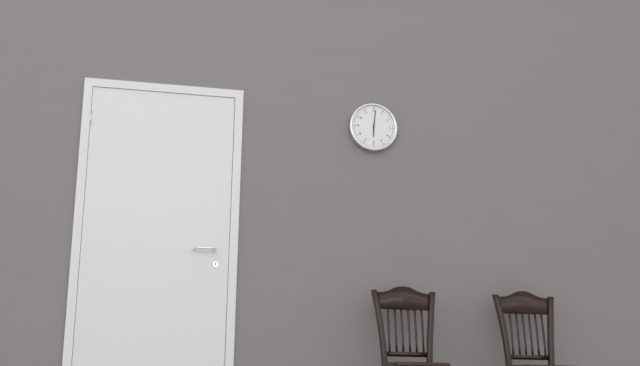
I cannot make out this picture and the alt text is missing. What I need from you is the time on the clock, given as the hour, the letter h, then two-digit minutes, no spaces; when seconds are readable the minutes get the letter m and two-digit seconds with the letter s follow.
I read 6h01
